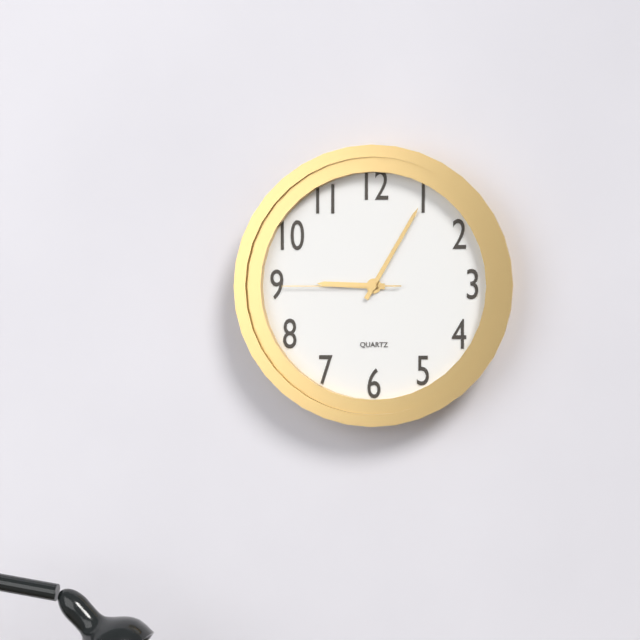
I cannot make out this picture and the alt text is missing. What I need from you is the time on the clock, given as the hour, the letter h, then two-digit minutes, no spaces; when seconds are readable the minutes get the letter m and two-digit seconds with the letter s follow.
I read 9h05m45s
